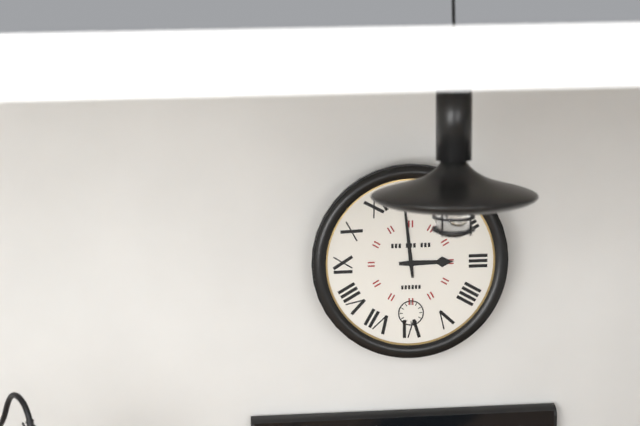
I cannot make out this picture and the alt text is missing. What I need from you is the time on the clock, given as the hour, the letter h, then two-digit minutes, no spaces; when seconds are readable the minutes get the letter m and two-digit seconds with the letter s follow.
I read 2h59
